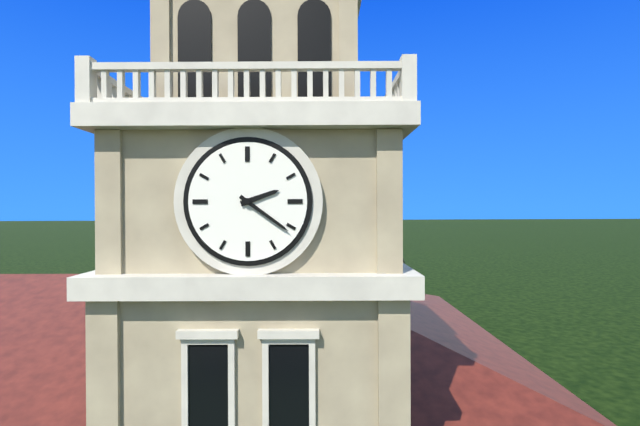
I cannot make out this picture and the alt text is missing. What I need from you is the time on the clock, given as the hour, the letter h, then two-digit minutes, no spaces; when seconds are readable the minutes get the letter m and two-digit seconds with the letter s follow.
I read 2h21
